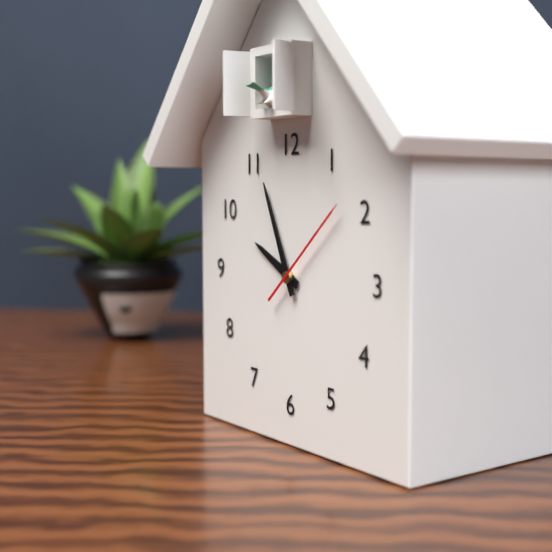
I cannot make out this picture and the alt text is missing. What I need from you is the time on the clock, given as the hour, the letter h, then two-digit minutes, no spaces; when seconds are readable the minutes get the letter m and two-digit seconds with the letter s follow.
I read 9h56m08s
